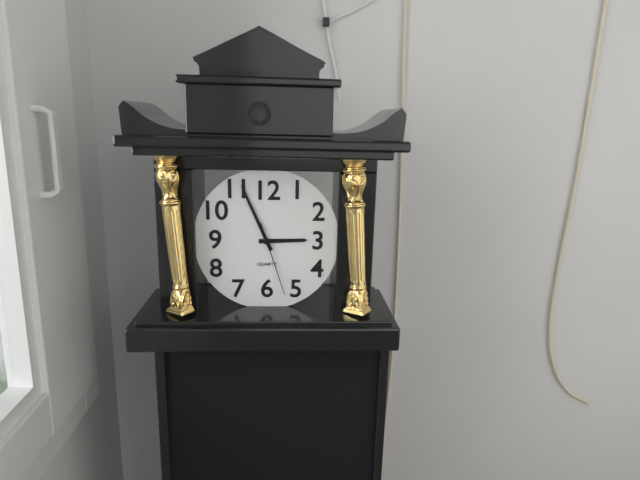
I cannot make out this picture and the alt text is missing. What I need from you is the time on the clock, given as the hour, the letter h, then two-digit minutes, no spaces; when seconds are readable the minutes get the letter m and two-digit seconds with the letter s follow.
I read 2h56m27s
